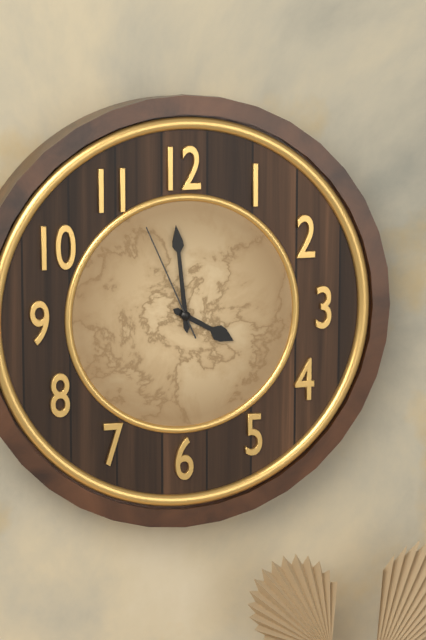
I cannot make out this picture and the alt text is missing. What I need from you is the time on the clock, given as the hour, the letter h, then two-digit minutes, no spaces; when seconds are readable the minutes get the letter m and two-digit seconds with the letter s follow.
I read 3h59m56s
